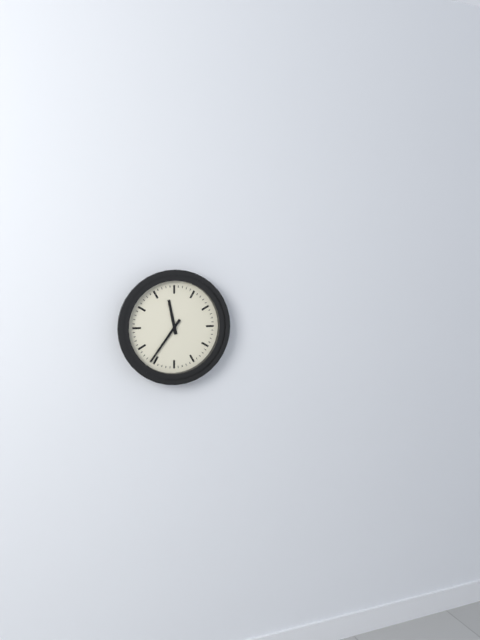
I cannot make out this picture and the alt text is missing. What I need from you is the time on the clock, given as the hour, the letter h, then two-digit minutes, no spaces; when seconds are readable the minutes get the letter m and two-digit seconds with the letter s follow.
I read 11h36
